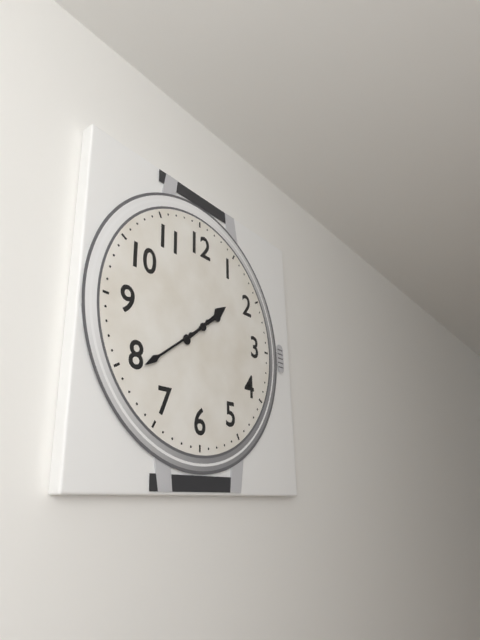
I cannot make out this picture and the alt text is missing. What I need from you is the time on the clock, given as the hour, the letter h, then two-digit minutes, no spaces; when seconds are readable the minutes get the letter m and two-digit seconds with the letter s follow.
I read 1h39
